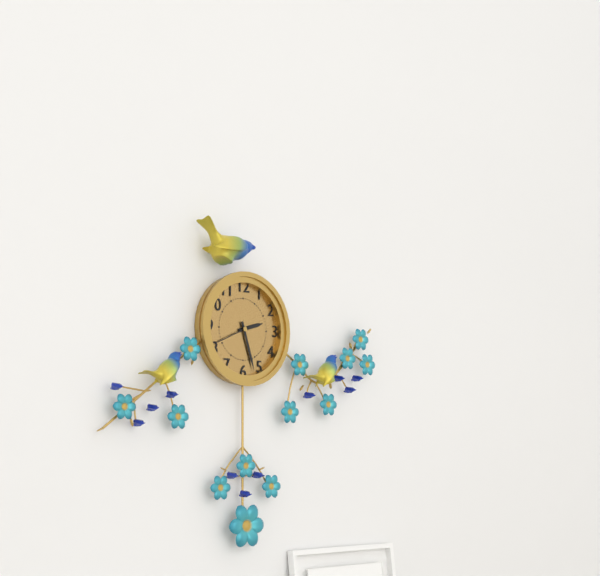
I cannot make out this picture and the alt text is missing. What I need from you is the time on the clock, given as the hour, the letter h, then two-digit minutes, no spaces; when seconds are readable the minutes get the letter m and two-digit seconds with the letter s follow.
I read 2h27
